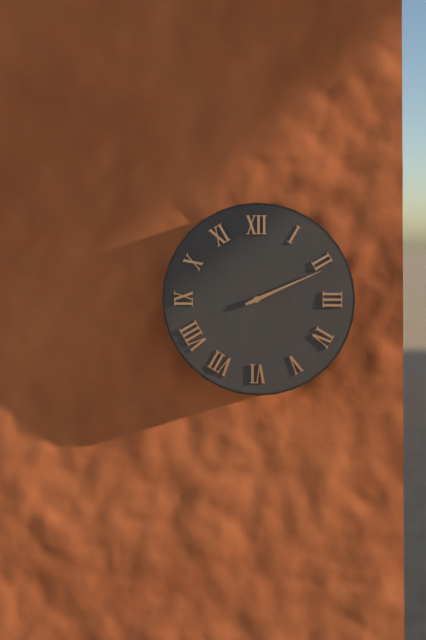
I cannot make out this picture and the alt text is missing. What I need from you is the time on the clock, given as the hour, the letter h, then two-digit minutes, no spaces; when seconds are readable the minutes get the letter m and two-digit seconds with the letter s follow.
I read 2h11
